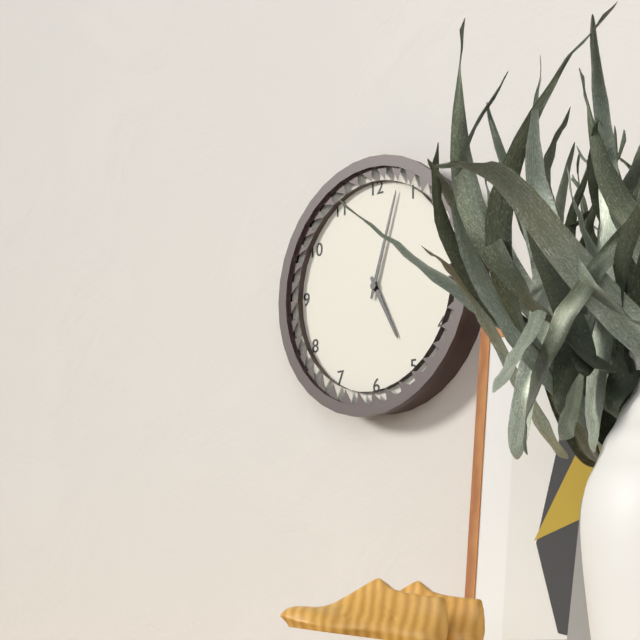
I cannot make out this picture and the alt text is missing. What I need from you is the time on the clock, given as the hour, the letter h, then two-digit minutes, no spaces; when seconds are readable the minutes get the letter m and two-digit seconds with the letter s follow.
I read 5h03
